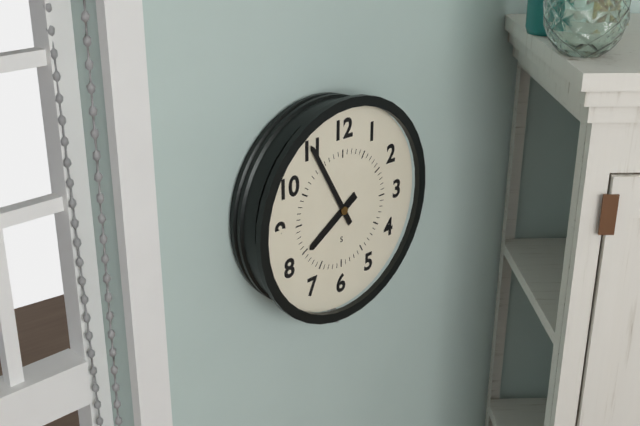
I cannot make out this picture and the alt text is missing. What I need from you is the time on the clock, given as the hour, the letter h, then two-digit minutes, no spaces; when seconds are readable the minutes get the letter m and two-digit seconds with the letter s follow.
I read 7h55
